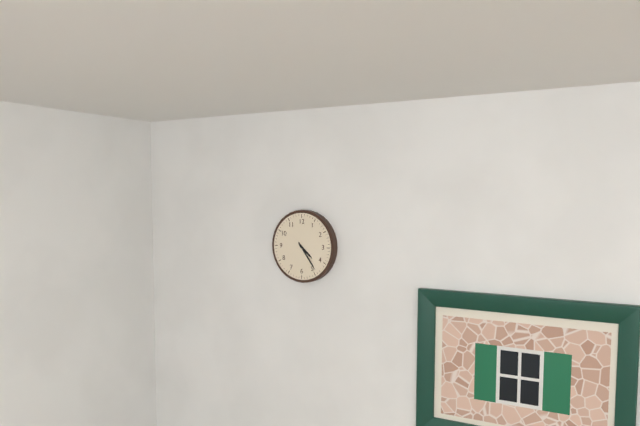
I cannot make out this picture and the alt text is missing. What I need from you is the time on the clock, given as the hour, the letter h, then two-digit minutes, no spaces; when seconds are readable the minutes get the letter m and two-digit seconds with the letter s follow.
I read 4h24
